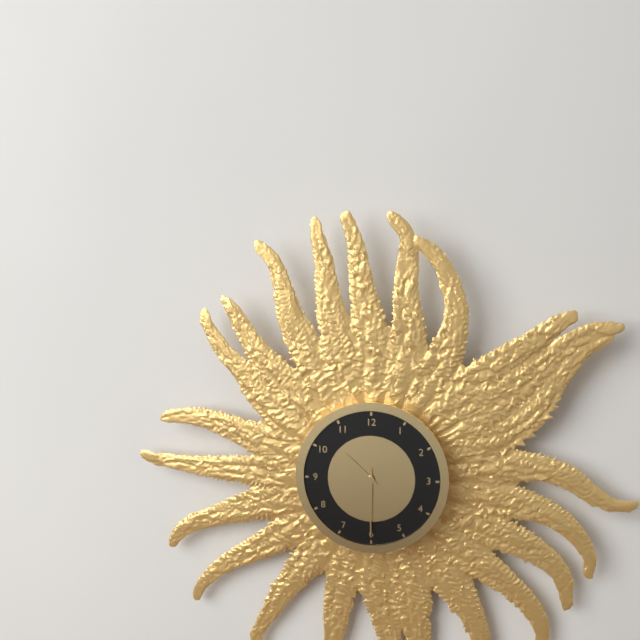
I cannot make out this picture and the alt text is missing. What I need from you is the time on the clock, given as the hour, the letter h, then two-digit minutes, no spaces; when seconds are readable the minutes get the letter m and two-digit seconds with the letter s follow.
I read 10h30
